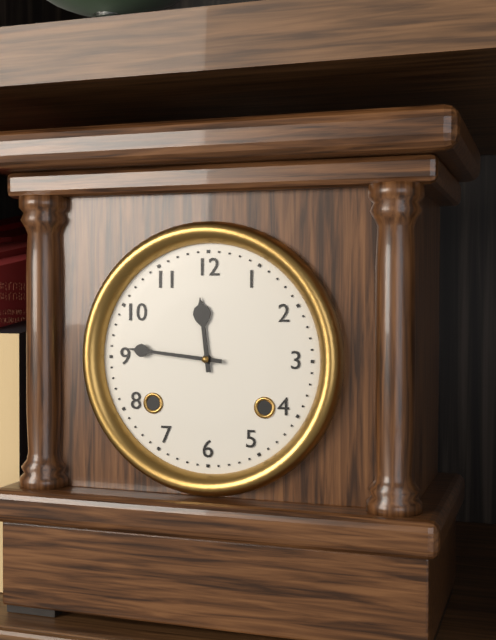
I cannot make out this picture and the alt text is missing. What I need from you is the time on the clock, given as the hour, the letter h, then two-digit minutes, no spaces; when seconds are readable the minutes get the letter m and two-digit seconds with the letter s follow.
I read 11h46
